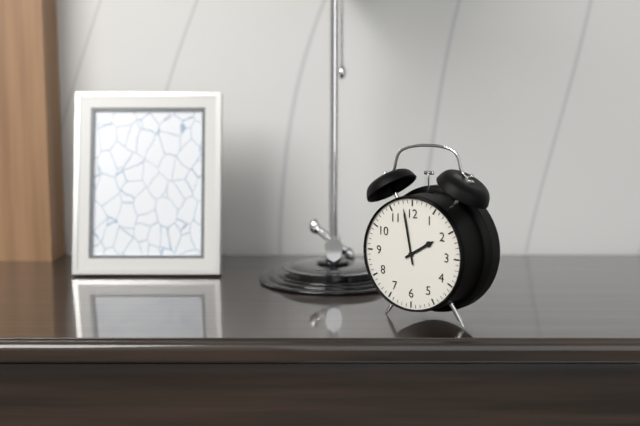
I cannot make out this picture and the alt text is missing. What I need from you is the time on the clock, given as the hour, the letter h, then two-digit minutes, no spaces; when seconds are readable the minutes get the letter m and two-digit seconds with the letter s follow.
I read 1h58
